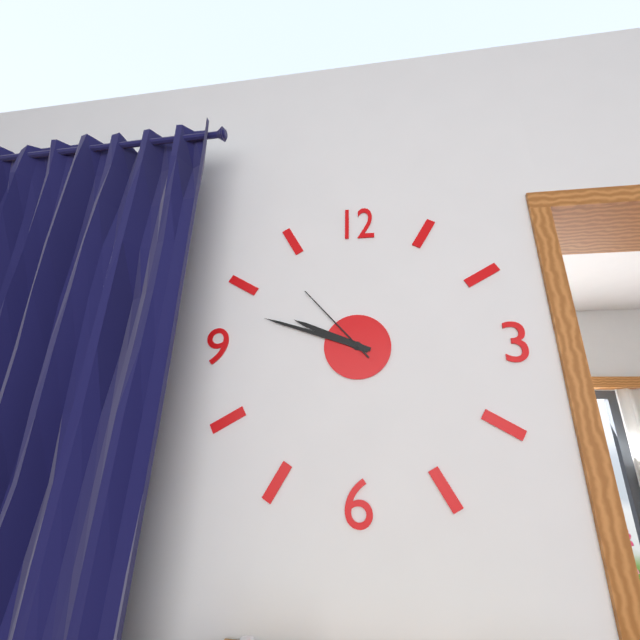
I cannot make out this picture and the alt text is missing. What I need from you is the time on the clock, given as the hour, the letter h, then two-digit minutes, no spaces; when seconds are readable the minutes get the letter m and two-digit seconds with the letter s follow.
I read 9h48m53s
